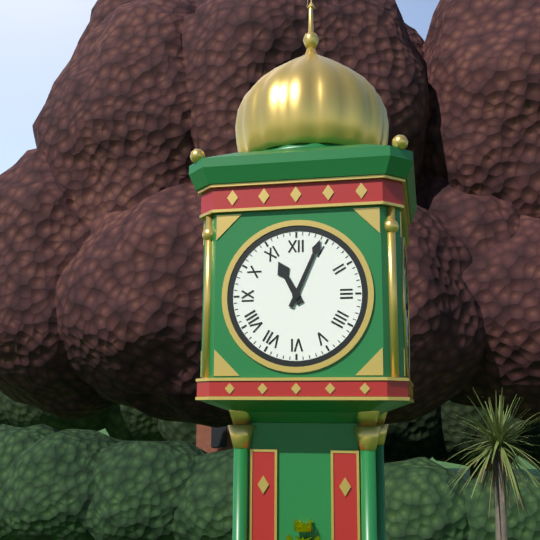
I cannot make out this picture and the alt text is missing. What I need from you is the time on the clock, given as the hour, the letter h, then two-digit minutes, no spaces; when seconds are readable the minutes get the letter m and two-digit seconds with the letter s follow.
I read 11h04
